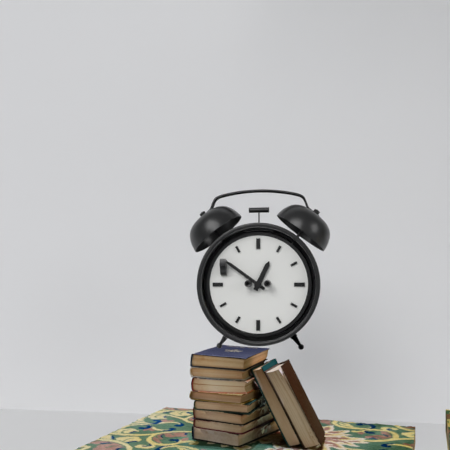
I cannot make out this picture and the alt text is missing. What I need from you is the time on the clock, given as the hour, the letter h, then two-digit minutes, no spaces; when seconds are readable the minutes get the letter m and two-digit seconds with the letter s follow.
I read 12h51
